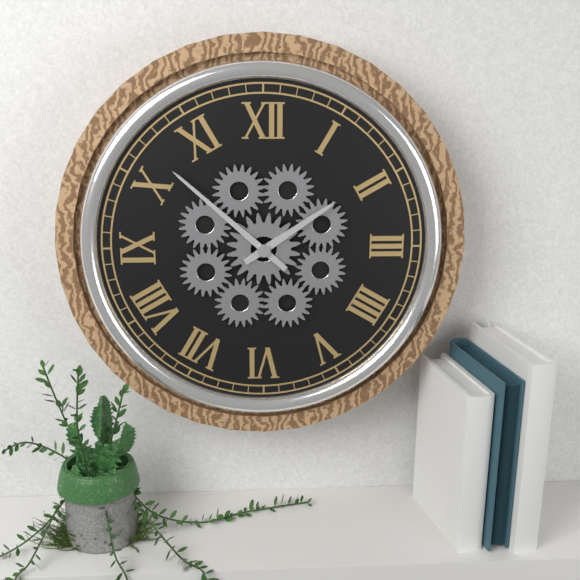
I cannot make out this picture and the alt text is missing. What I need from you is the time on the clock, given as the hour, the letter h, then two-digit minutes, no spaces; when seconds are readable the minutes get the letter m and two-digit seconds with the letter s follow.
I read 1h52
